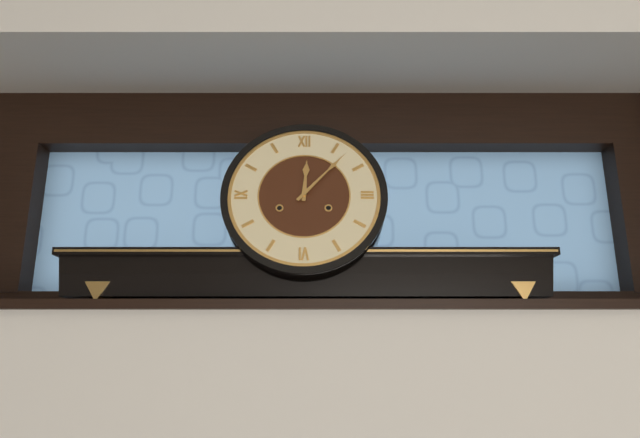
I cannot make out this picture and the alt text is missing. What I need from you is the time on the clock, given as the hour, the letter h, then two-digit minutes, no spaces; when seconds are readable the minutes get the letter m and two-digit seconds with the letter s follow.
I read 12h07
